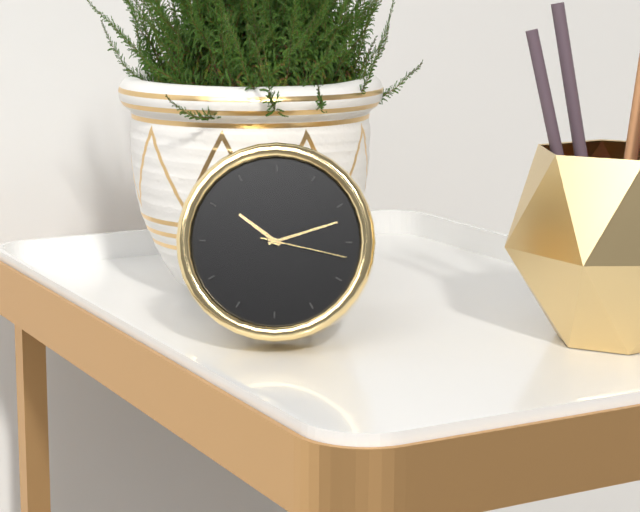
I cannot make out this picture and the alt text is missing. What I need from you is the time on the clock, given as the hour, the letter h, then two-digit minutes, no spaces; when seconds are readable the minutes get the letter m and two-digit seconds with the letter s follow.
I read 10h12m17s
